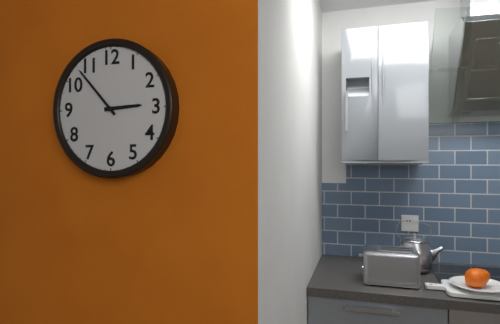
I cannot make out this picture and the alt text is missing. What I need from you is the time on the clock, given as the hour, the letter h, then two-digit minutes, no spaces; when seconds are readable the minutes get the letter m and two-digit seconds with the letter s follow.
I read 2h53
